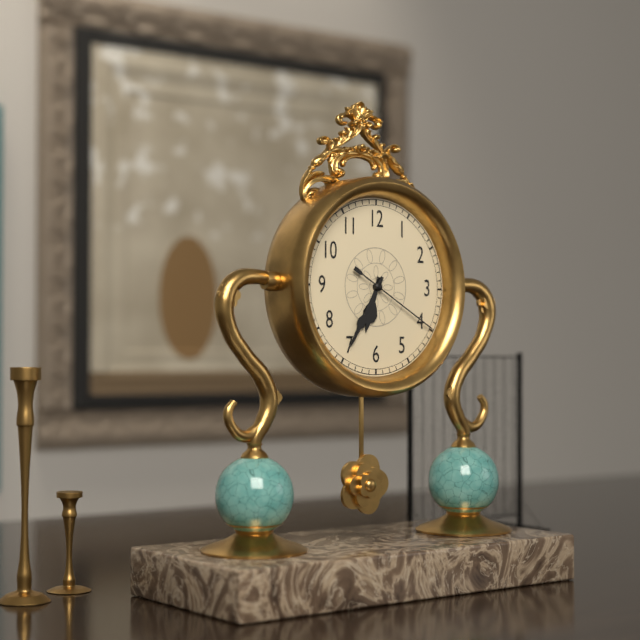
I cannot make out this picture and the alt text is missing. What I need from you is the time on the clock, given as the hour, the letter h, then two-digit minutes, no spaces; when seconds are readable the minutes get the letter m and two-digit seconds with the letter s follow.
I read 6h35m20s
